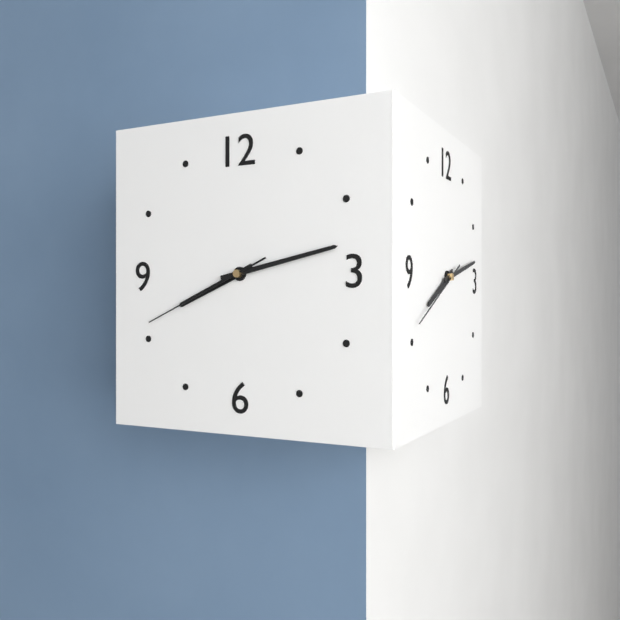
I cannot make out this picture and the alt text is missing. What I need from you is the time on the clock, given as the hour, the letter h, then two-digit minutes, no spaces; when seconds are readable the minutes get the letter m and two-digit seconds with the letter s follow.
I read 8h13m41s
